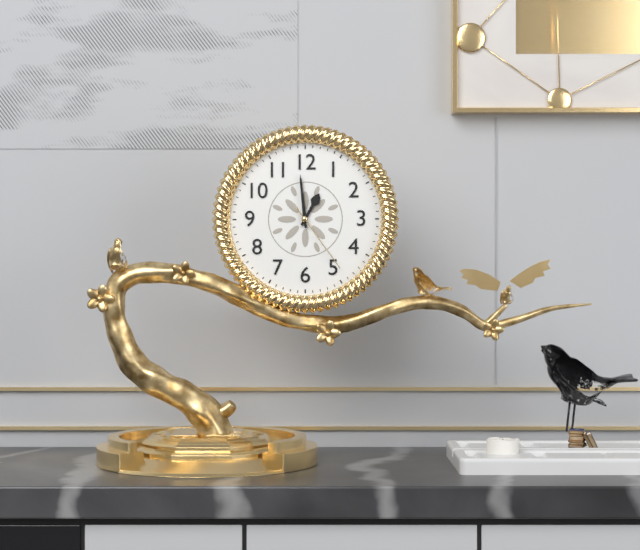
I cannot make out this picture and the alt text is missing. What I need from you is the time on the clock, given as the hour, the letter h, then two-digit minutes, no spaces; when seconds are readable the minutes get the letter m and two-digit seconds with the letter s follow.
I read 12h59m24s
